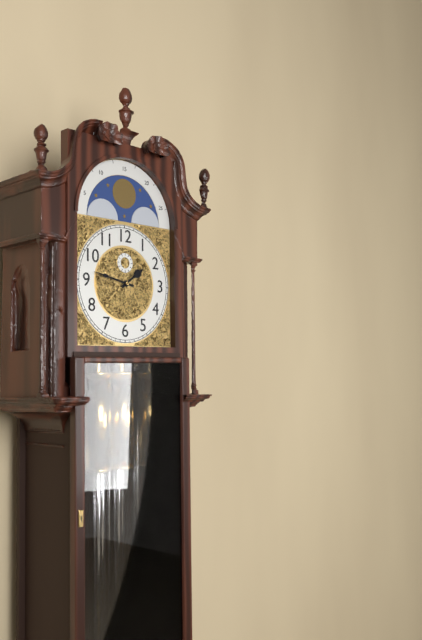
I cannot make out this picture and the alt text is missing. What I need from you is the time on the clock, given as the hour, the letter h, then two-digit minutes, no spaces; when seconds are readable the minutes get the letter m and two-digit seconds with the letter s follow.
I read 1h47
